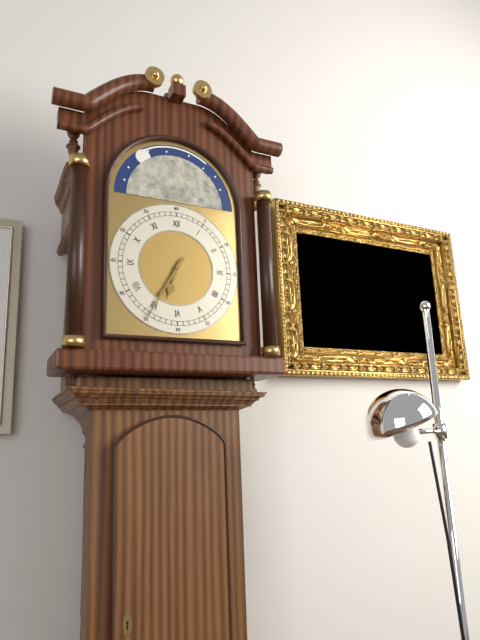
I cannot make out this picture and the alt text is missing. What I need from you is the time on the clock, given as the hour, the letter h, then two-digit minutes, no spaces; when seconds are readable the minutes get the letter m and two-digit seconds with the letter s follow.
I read 6h35
